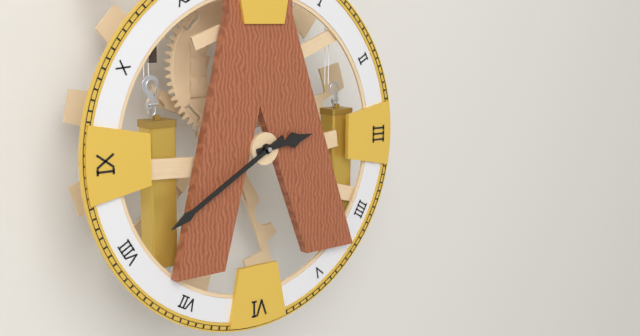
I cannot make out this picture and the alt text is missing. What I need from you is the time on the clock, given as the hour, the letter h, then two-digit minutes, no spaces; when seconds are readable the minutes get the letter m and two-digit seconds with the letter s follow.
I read 2h40
